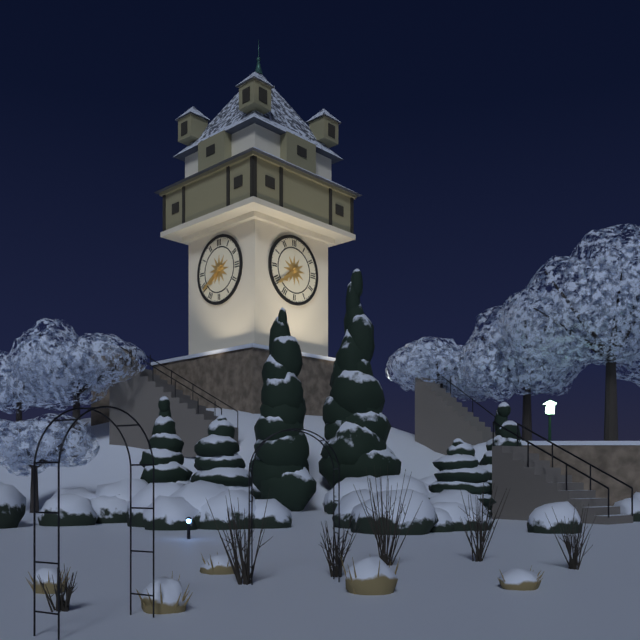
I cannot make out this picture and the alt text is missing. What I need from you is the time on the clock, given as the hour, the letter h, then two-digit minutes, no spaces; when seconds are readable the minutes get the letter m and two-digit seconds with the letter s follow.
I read 7h39
